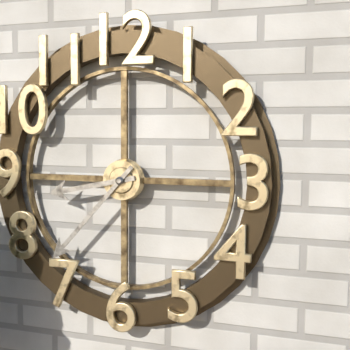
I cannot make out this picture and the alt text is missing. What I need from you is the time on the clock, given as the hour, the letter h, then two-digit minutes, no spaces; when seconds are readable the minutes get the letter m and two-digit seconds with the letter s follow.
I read 8h37
